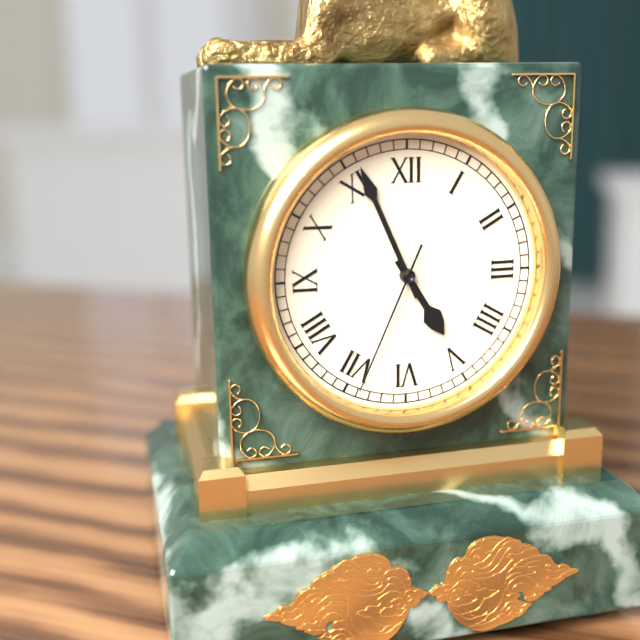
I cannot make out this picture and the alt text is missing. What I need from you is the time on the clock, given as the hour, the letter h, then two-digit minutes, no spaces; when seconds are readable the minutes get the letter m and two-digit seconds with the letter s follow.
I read 4h56m34s
